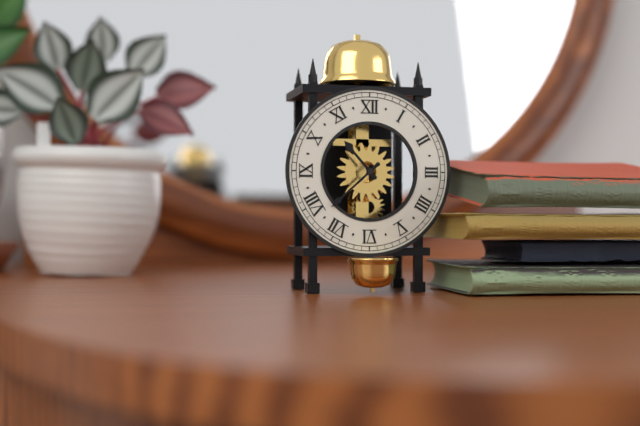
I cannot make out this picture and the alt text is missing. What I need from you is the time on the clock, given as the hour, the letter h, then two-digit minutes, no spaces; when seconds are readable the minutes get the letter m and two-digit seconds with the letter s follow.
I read 10h38
